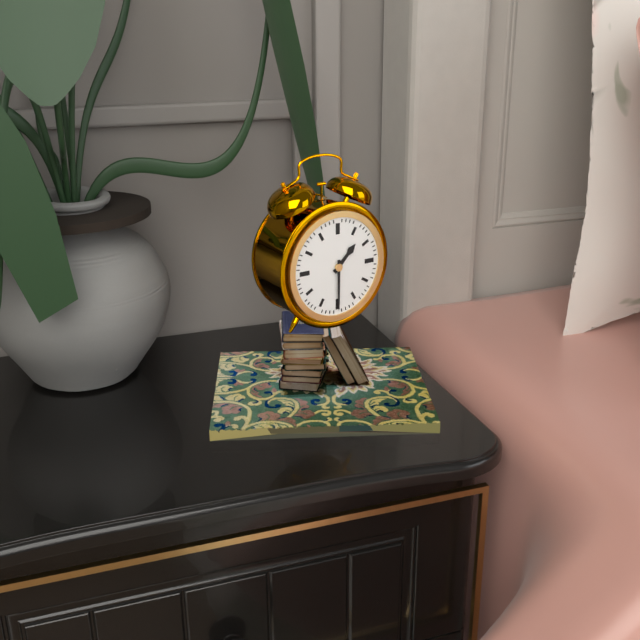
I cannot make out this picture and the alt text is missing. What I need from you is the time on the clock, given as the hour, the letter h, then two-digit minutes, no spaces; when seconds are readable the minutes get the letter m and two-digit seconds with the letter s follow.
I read 1h30
